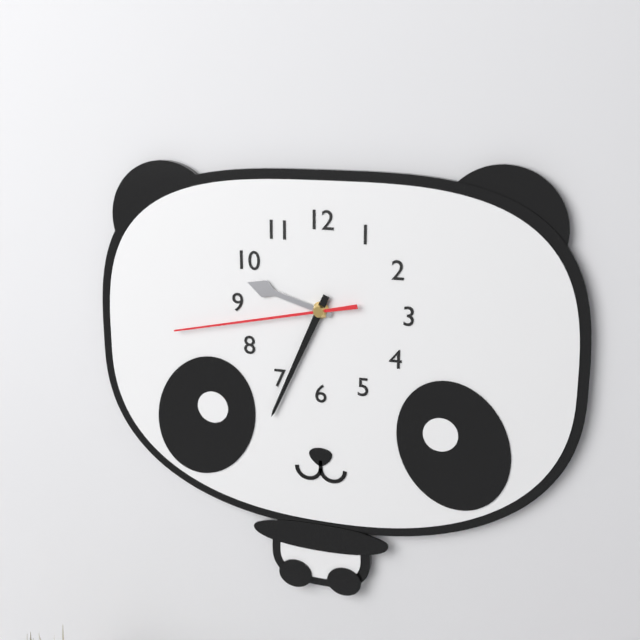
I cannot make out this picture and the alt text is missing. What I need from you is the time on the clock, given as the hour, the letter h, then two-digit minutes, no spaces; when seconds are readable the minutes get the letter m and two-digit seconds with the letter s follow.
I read 9h34m43s
